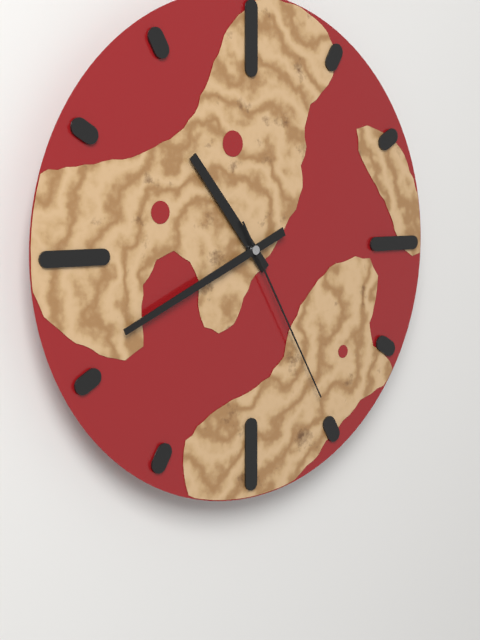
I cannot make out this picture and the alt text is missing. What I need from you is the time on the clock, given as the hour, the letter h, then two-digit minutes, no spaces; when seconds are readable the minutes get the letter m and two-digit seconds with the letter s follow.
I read 10h41m25s
